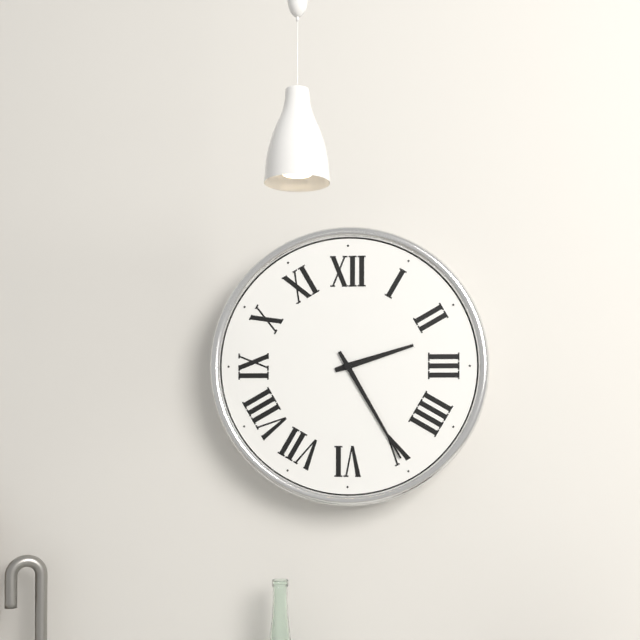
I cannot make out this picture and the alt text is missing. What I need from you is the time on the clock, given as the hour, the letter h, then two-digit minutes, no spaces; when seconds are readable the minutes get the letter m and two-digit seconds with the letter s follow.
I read 2h25
